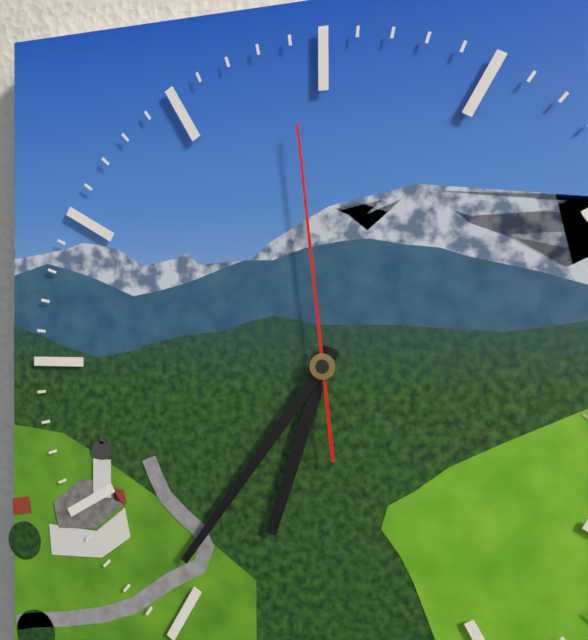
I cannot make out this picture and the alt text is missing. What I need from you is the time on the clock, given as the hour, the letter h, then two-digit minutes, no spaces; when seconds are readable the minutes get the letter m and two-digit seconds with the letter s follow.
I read 6h36m59s
